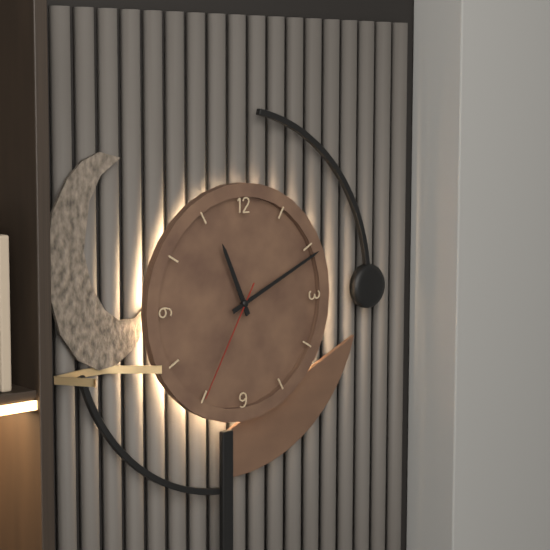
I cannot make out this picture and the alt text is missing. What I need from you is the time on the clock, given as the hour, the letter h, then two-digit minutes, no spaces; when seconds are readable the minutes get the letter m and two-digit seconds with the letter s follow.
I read 11h11m35s
